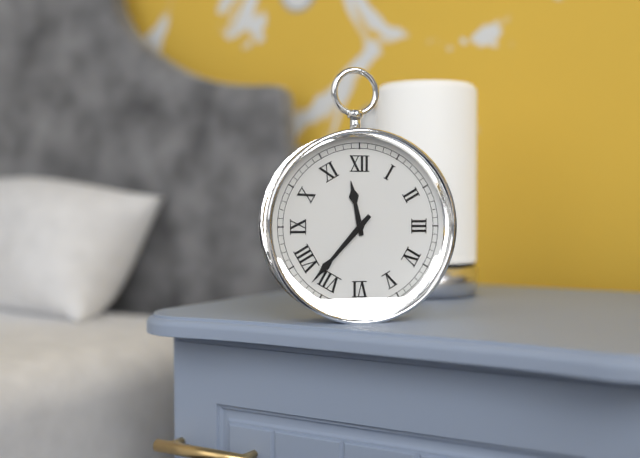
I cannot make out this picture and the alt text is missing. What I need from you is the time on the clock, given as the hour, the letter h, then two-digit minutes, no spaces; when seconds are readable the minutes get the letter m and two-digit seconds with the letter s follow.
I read 11h37
